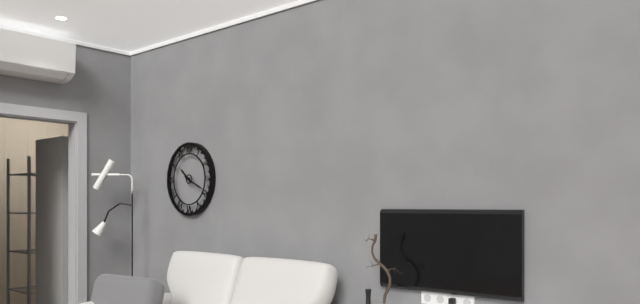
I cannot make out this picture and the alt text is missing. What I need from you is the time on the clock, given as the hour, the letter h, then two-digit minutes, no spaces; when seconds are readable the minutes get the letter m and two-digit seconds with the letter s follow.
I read 10h19
